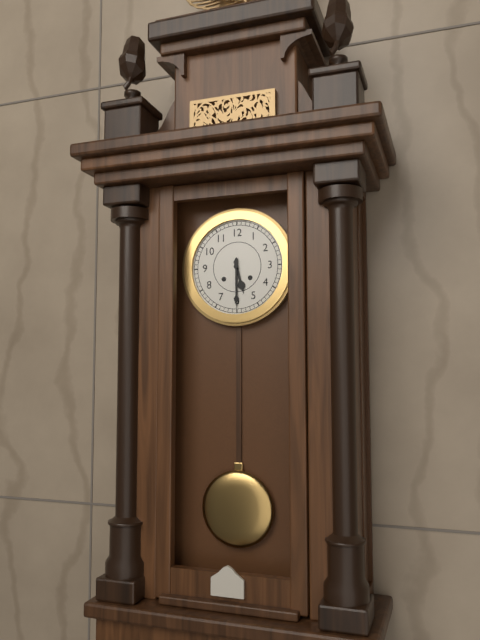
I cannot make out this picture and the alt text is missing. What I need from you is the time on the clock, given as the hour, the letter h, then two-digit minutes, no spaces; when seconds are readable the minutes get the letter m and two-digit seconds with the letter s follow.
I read 5h30
